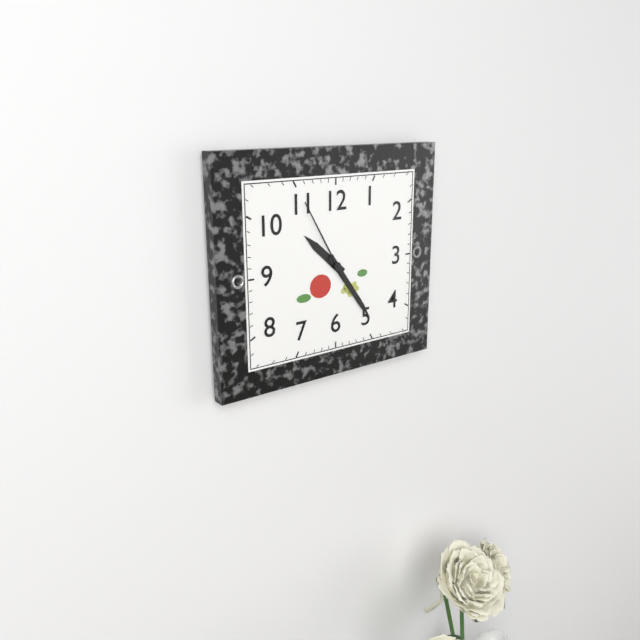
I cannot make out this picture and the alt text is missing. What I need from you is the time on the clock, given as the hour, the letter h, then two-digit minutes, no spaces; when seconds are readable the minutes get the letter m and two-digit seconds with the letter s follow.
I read 10h24m55s
